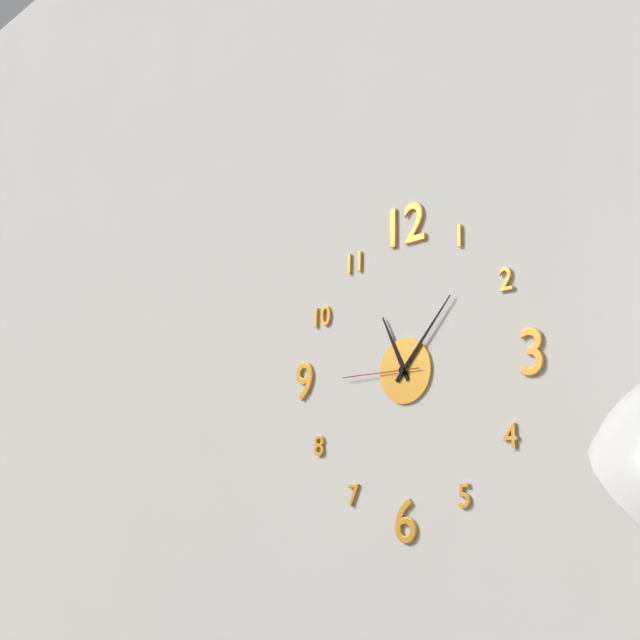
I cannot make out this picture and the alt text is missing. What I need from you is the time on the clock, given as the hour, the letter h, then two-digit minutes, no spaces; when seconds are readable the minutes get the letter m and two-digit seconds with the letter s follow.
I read 11h07m45s
